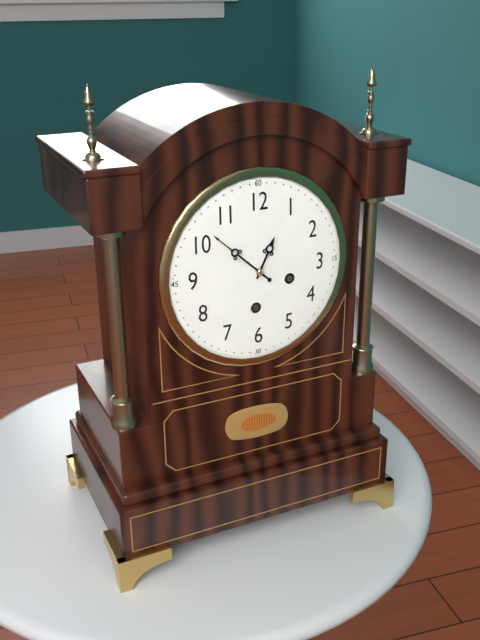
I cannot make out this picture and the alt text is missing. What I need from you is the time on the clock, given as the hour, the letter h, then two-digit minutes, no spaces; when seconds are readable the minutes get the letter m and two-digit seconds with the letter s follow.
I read 12h52
